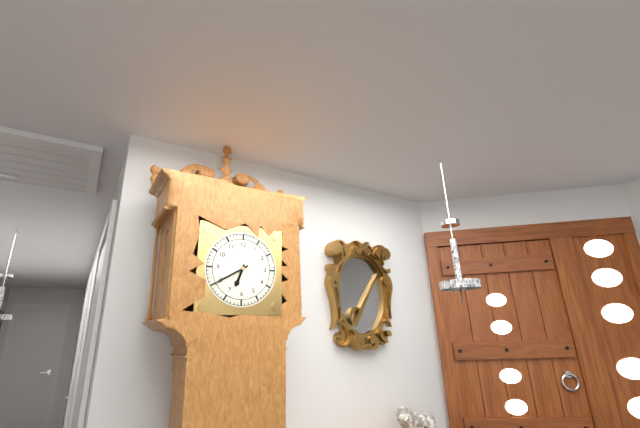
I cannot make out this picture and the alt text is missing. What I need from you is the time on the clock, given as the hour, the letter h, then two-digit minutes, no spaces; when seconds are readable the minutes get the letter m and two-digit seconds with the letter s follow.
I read 6h40
